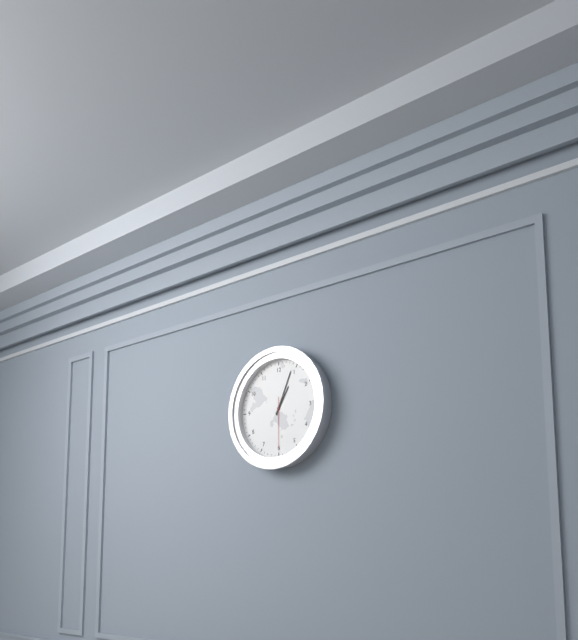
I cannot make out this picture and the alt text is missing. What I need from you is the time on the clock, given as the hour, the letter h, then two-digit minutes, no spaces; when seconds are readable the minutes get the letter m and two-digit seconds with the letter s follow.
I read 1h04m30s
